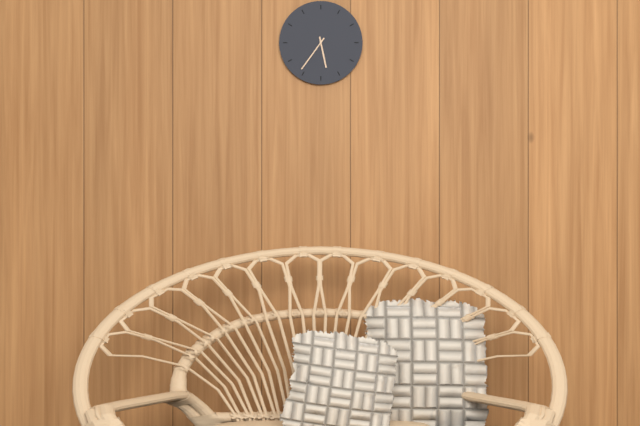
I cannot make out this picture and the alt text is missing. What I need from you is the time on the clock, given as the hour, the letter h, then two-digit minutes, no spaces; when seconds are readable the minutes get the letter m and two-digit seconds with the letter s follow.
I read 5h36
